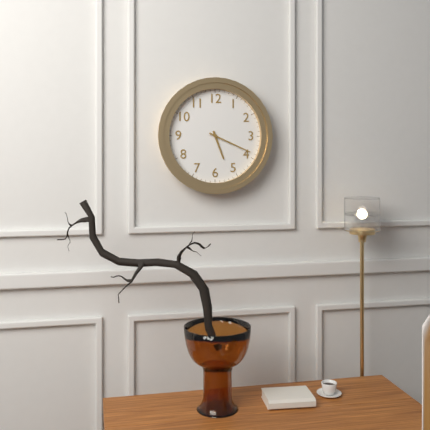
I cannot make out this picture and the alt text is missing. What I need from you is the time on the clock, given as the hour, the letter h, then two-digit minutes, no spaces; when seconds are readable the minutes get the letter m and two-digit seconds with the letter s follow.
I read 5h19
